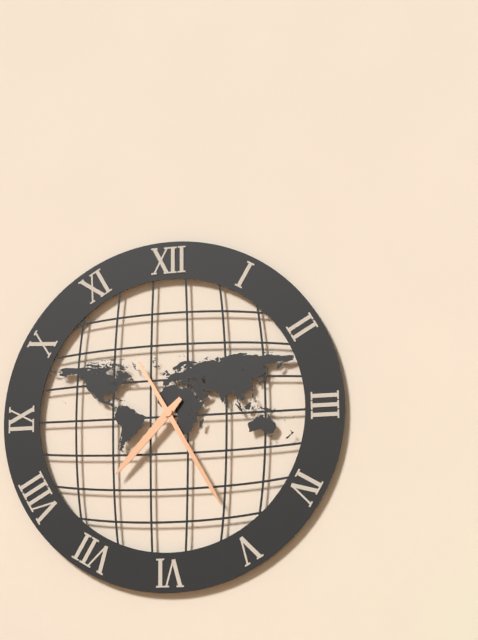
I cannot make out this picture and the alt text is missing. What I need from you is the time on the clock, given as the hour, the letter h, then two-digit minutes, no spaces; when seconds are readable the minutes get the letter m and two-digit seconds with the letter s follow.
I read 7h25
